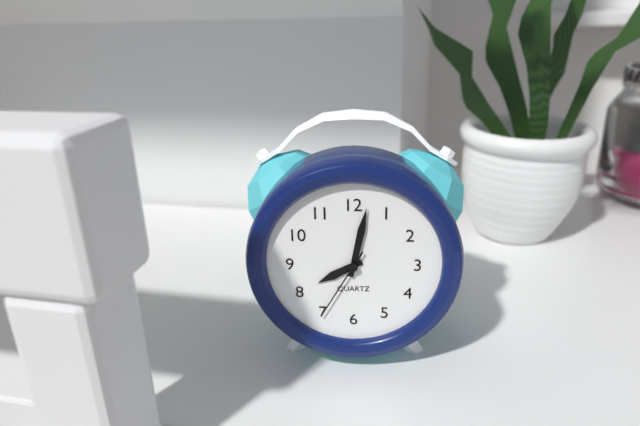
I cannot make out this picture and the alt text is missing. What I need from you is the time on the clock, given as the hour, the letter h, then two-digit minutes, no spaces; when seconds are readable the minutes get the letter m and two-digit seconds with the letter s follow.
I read 8h02m35s
